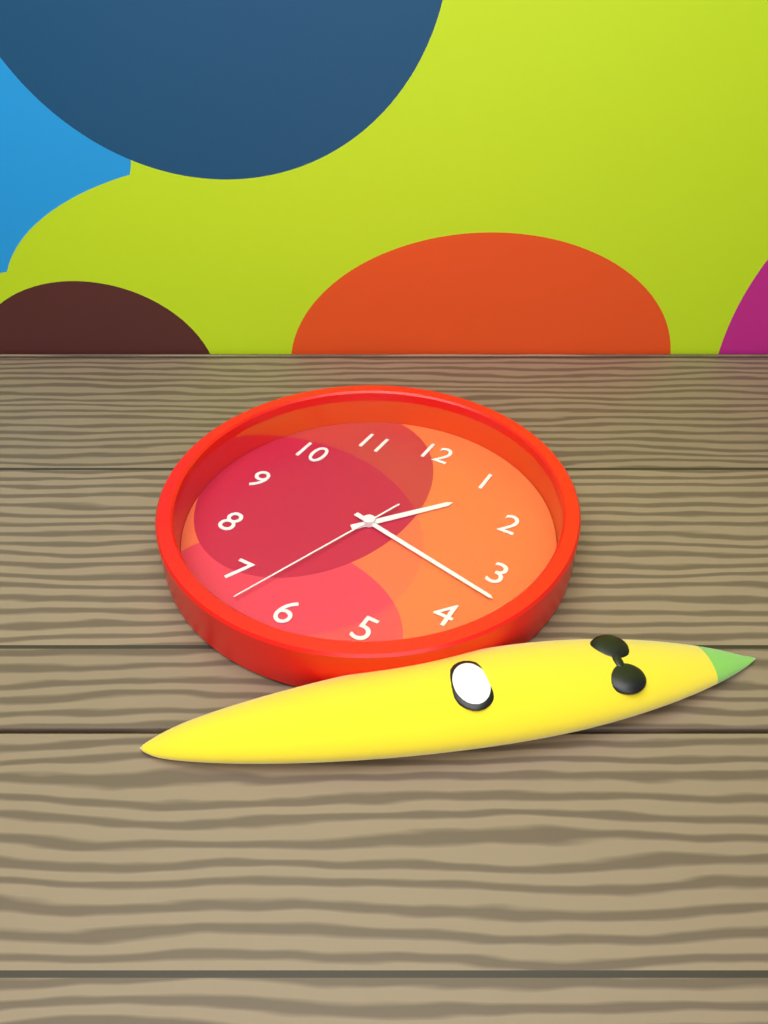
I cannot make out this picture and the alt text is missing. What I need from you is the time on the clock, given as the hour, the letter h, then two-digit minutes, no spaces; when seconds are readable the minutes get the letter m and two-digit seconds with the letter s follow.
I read 1h17m33s
